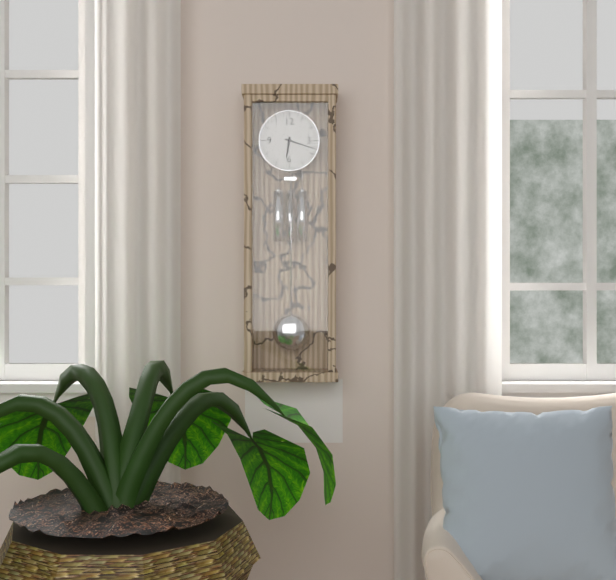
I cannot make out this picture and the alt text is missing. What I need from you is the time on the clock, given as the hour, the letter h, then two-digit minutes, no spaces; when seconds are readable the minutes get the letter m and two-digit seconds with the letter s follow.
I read 6h18
